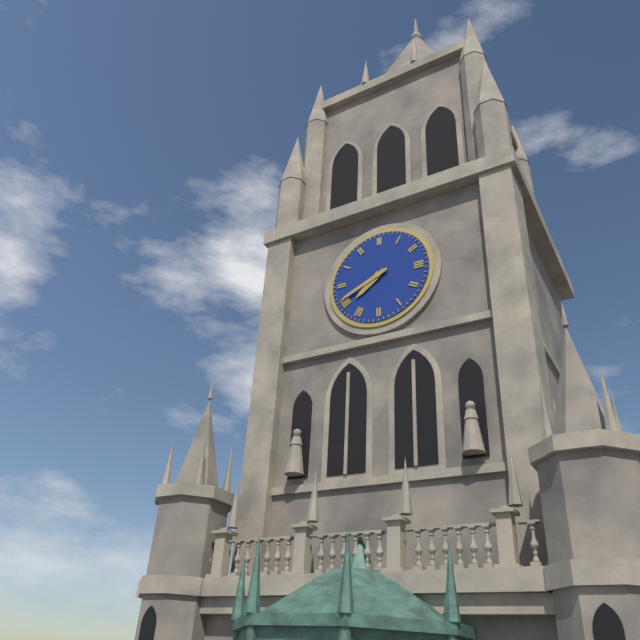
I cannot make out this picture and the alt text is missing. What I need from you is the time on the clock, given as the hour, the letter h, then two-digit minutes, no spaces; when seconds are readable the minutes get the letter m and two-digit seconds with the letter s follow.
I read 7h41
